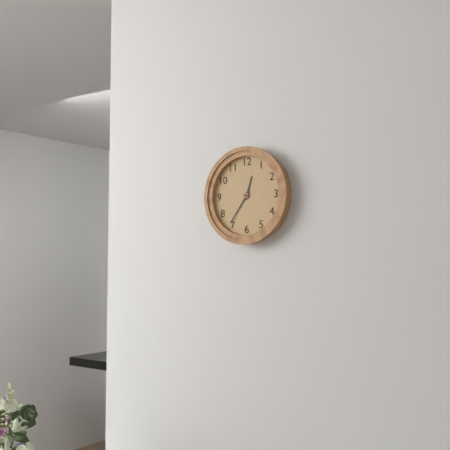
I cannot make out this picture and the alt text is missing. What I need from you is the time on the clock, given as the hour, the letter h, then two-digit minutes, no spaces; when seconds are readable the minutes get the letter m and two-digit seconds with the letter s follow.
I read 12h36
